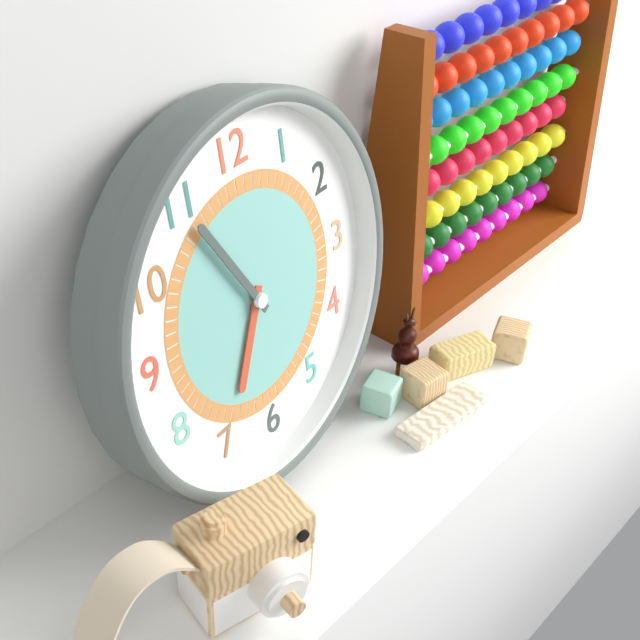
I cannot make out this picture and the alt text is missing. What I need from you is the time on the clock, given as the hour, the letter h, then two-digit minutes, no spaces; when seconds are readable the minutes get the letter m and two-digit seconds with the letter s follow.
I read 6h55
